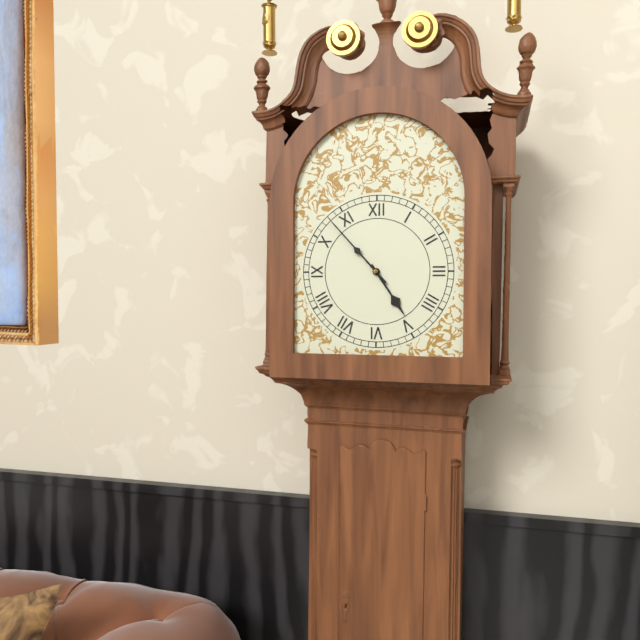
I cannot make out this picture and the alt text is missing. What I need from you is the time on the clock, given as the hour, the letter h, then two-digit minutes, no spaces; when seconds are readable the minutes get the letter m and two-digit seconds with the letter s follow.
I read 4h53
